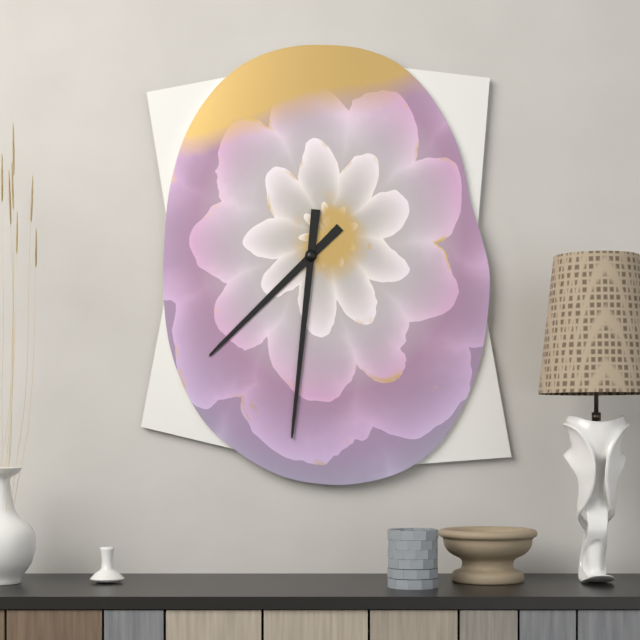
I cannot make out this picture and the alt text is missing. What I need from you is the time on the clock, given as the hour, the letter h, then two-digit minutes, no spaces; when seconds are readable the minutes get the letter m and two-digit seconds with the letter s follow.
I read 7h31
